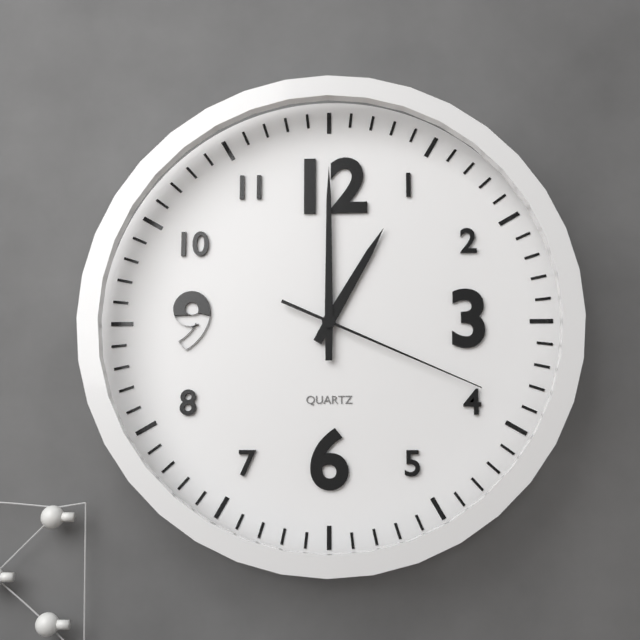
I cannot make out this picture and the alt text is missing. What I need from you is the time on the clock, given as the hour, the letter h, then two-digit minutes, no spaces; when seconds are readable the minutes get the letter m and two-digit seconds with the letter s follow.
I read 1h00m19s
